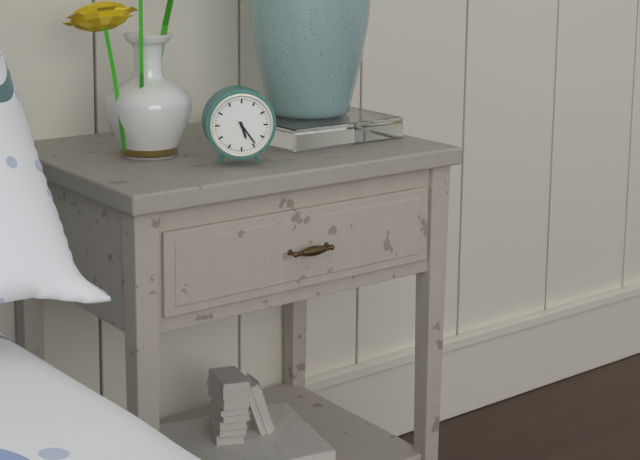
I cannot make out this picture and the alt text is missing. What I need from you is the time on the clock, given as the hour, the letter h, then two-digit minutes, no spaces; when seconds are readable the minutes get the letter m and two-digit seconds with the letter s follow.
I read 5h24
